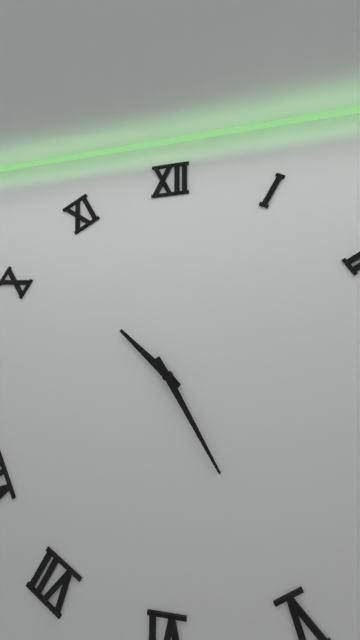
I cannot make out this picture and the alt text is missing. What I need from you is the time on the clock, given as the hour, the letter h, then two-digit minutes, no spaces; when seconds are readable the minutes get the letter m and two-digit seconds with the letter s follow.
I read 10h25
